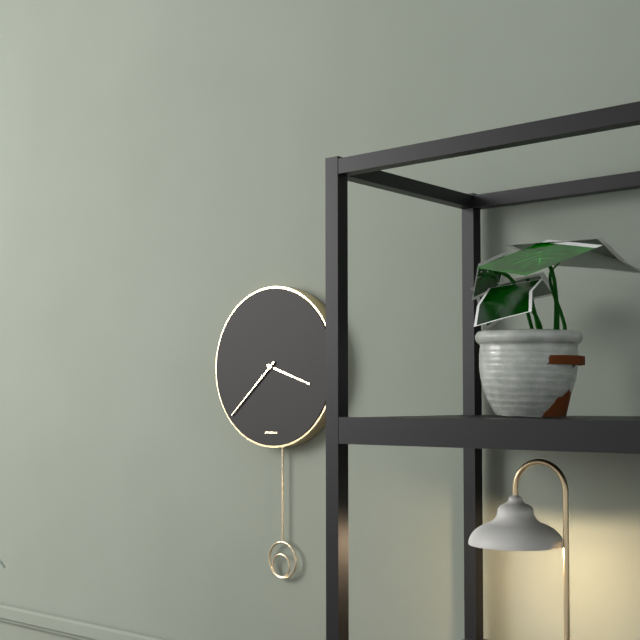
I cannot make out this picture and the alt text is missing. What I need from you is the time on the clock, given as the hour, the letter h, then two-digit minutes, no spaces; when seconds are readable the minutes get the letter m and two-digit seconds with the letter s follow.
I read 3h38
